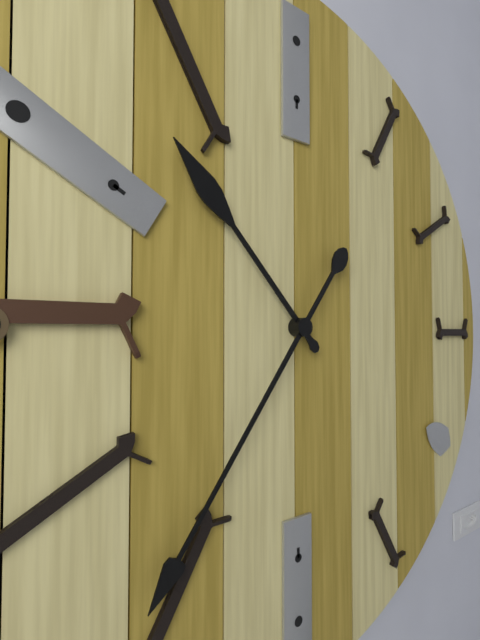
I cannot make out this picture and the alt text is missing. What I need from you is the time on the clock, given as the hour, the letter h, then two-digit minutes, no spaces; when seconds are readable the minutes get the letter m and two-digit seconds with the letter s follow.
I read 10h36
